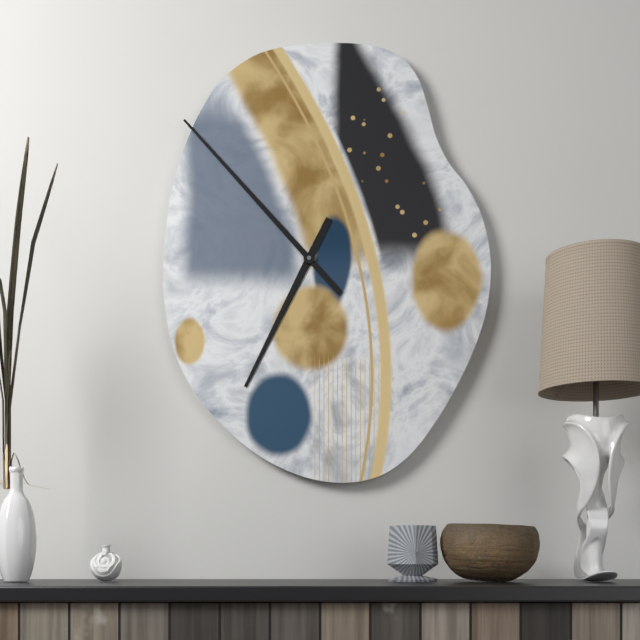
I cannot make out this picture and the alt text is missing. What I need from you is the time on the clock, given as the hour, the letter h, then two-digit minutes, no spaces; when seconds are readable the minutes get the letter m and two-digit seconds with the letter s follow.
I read 6h53
